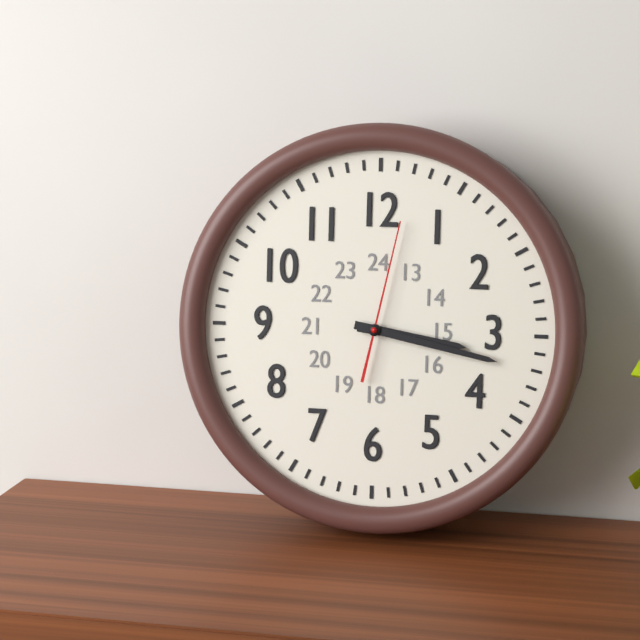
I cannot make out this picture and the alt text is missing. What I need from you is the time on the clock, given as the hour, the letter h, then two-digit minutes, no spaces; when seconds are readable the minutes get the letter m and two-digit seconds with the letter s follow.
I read 3h17m02s
